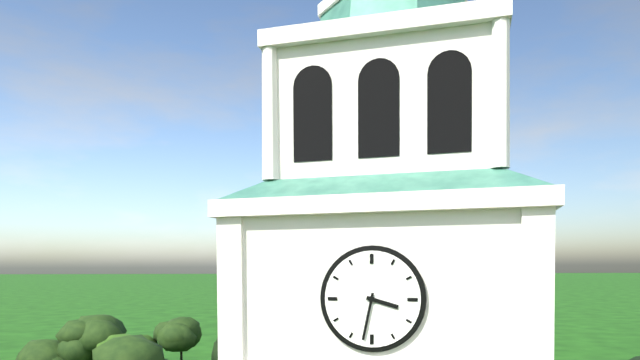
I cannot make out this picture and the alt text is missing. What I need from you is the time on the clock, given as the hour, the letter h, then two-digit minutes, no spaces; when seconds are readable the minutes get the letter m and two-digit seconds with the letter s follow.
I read 3h32
